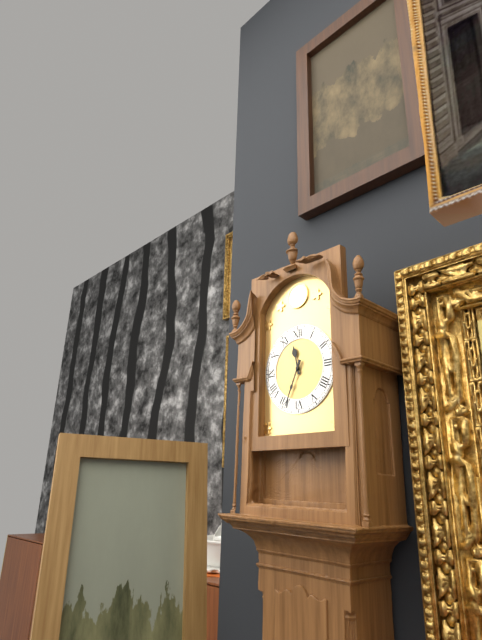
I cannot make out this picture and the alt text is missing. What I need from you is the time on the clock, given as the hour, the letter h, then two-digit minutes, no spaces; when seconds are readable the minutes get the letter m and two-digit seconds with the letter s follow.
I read 11h34
